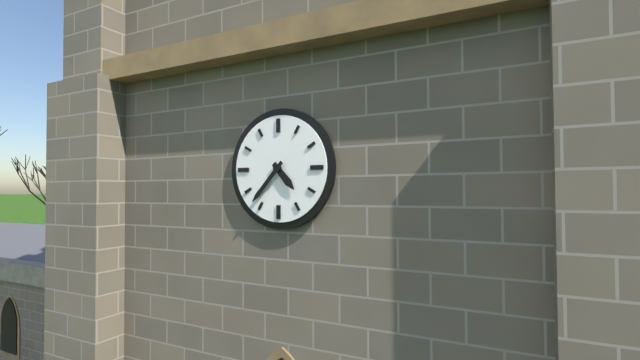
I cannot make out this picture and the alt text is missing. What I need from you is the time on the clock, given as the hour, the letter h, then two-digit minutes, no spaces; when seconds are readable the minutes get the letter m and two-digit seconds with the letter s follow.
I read 4h37
